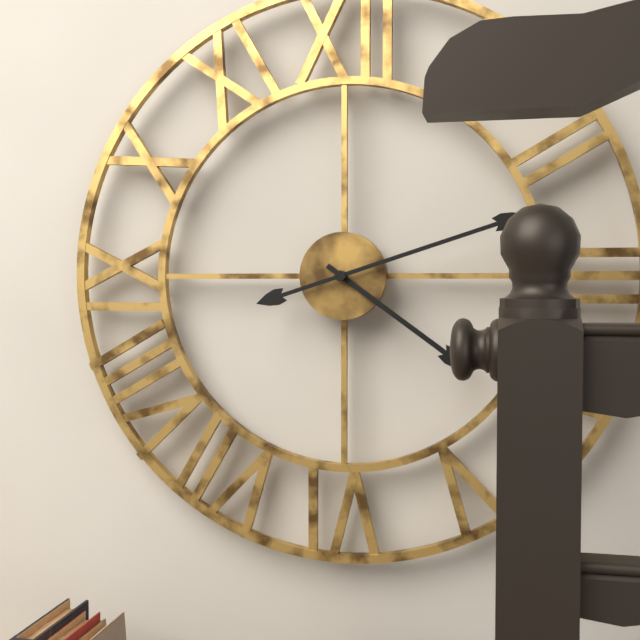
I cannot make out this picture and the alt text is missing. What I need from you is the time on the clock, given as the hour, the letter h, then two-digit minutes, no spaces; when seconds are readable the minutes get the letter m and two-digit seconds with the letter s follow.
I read 4h12
